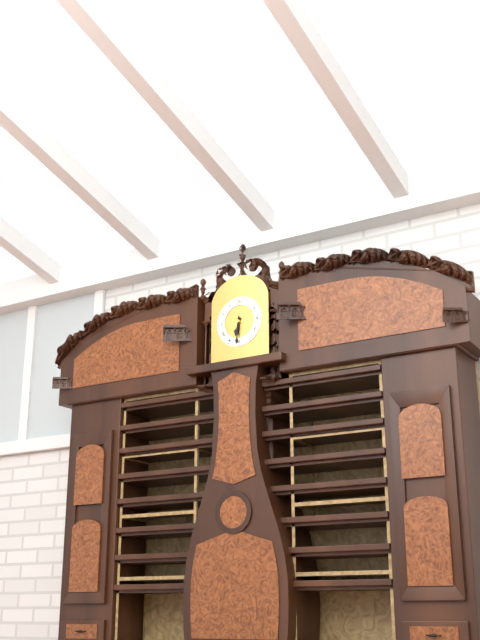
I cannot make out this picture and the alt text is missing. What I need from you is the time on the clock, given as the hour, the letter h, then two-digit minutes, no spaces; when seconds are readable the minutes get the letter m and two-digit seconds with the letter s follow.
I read 6h31
